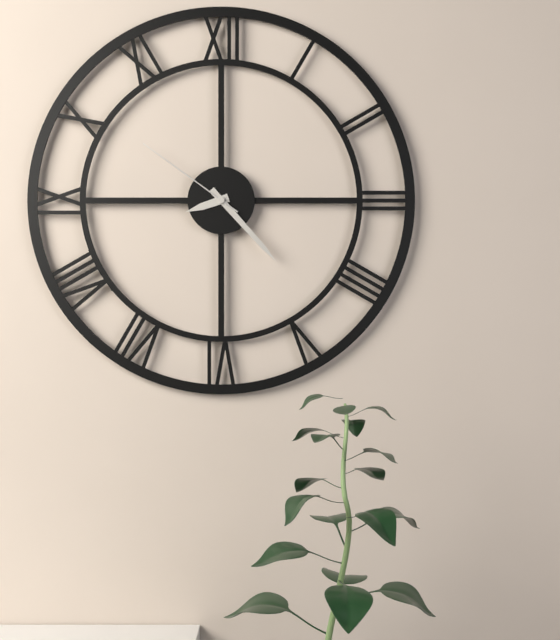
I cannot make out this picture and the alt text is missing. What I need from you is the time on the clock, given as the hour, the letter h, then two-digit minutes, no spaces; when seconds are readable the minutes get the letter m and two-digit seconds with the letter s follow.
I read 8h23m51s
